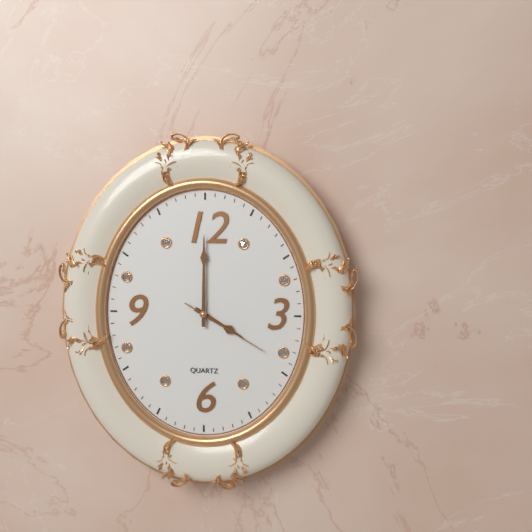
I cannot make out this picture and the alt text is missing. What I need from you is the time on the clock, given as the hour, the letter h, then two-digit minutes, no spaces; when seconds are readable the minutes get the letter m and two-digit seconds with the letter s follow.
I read 4h00m20s
